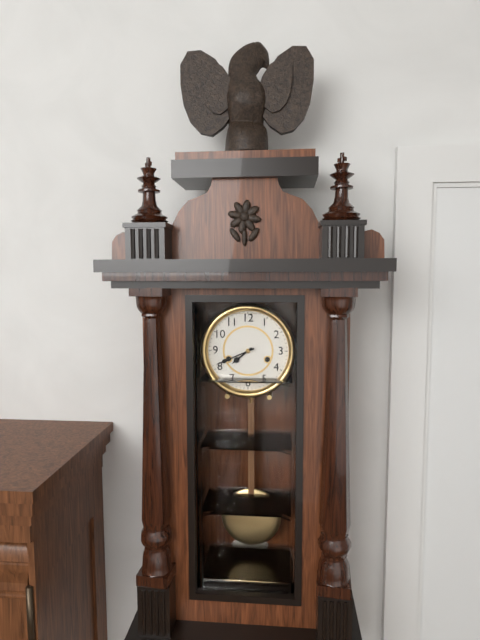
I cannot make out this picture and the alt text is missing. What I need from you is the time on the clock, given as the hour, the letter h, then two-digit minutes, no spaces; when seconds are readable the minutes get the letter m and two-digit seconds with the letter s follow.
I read 7h41
